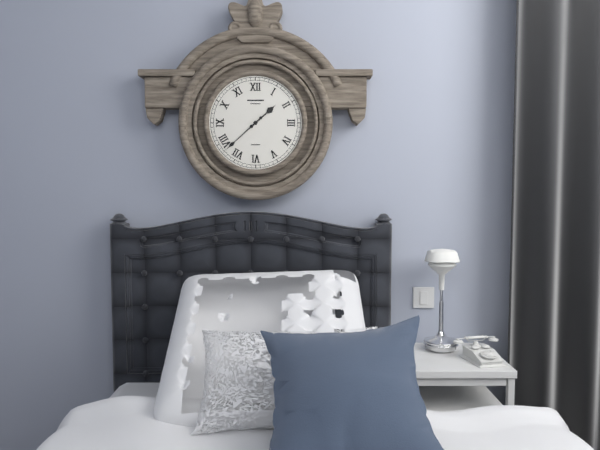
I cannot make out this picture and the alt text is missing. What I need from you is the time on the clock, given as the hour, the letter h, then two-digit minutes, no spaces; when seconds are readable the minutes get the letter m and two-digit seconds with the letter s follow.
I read 1h38
